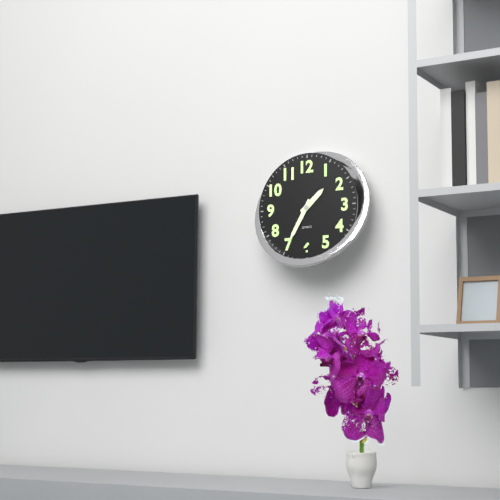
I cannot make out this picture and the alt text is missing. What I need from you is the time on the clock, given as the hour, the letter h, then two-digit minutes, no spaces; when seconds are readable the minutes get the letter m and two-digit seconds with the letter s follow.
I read 1h35
